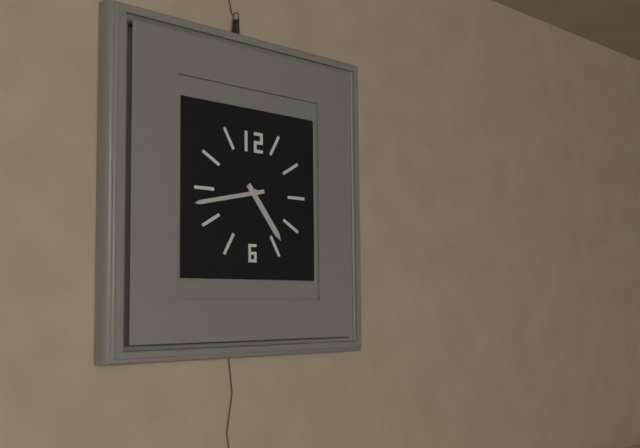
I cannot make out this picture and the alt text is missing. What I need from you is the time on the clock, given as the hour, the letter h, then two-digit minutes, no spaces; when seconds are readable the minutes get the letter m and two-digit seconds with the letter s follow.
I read 4h43
